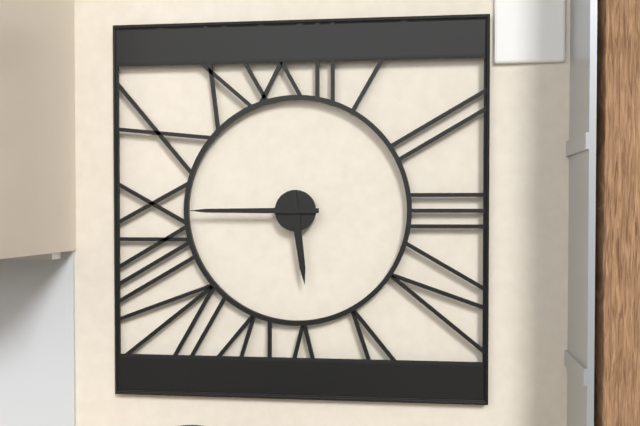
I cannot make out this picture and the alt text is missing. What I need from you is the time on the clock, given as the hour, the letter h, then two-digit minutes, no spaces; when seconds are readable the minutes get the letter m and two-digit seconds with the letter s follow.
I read 5h45
